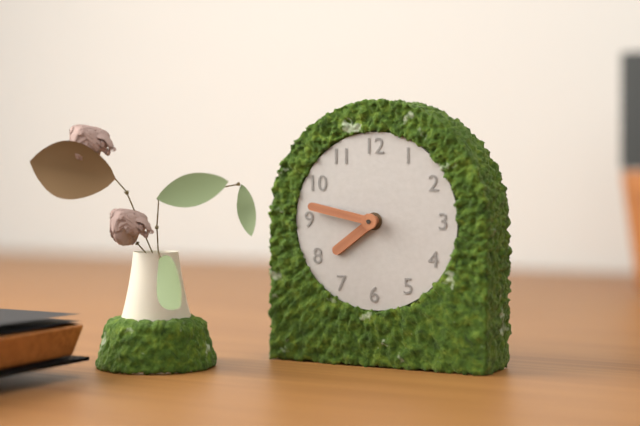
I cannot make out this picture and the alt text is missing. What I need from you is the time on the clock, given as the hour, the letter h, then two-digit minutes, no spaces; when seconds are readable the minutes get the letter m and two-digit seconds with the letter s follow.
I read 7h47
